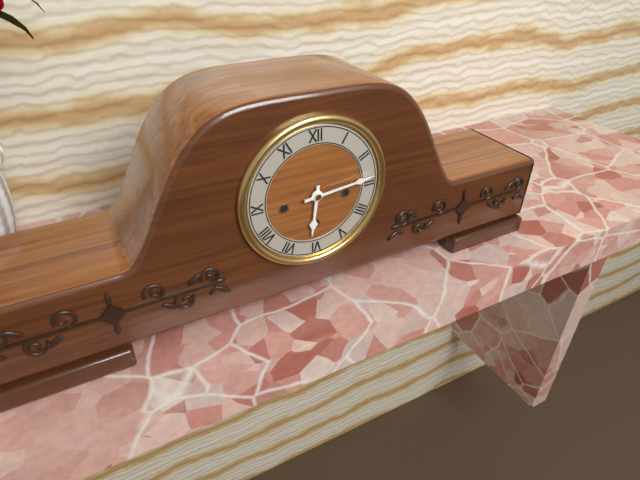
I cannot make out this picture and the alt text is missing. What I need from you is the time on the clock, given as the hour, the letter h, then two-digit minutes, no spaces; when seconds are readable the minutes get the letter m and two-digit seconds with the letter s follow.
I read 6h14
